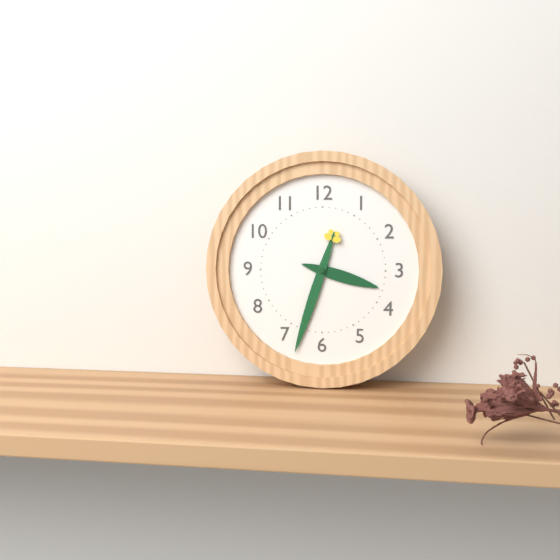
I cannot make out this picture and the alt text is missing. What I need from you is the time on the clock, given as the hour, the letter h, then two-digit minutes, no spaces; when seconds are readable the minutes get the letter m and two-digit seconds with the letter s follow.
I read 3h33
